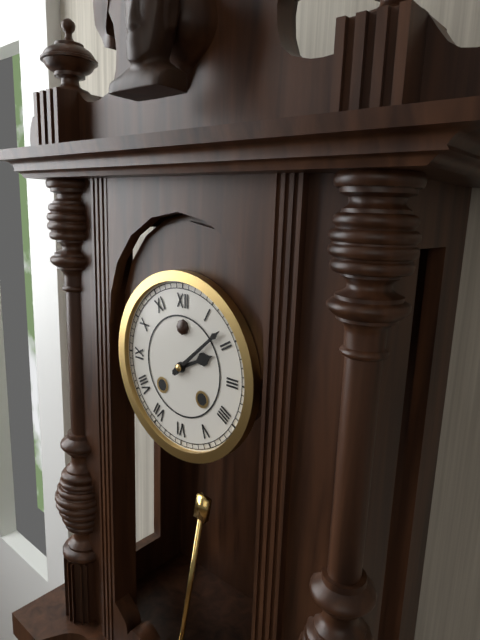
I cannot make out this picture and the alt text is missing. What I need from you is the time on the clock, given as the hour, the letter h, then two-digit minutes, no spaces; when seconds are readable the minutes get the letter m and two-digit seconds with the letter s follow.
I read 2h08
